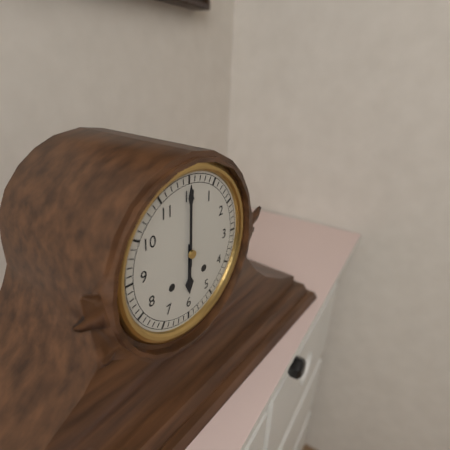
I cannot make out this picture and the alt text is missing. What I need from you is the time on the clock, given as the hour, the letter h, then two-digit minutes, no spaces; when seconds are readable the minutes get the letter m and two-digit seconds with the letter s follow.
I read 6h00
